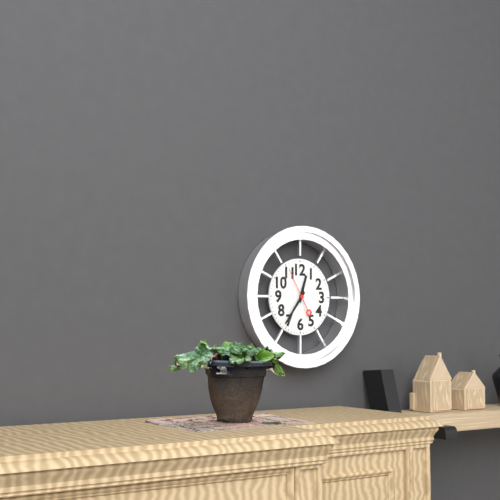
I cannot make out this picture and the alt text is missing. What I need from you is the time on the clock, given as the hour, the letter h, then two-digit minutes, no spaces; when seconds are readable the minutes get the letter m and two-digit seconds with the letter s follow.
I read 12h36
